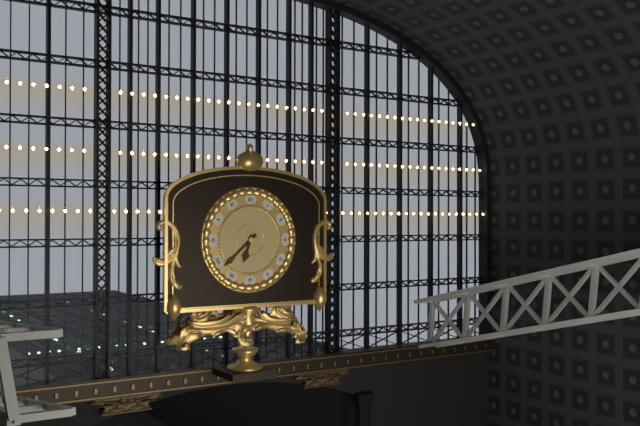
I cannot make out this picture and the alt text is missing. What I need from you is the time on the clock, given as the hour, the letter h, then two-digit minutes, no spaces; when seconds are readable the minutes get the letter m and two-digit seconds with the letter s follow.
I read 6h38
